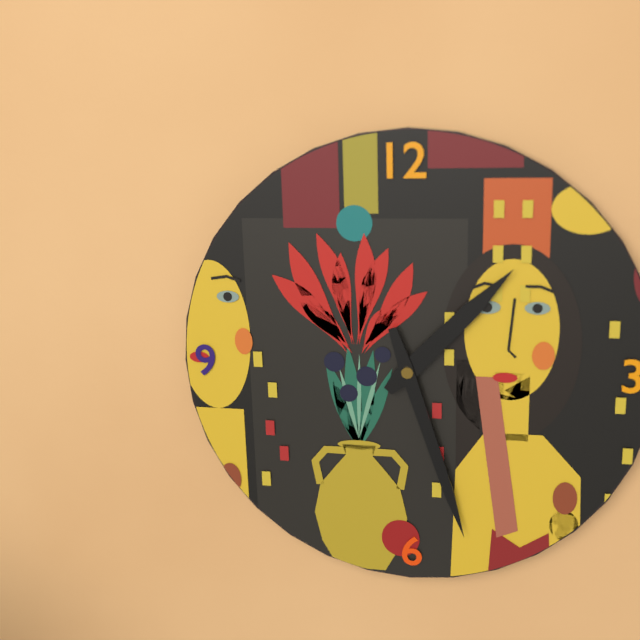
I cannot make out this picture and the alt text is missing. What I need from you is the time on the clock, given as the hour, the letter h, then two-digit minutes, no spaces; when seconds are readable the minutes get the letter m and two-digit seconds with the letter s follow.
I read 1h27
